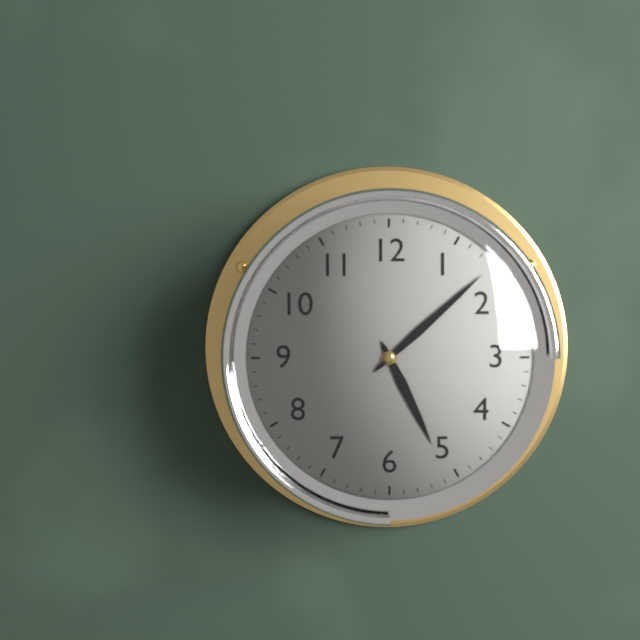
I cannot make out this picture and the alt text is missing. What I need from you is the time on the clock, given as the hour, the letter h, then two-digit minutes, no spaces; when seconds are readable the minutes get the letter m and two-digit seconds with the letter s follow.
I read 5h08
